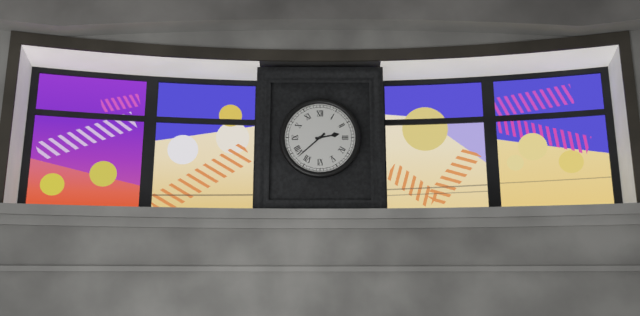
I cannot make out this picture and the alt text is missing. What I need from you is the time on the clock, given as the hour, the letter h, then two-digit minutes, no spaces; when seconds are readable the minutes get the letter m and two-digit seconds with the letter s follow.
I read 2h38
